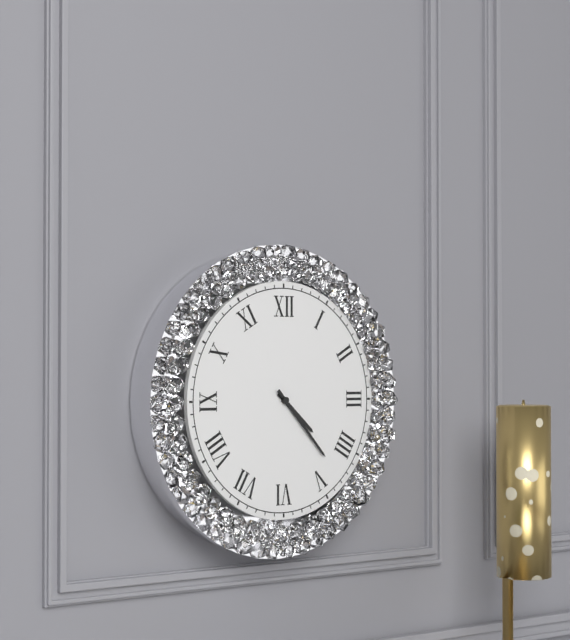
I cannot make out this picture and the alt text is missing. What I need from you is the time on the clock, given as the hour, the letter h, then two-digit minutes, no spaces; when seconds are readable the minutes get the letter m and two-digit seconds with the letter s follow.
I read 4h23
